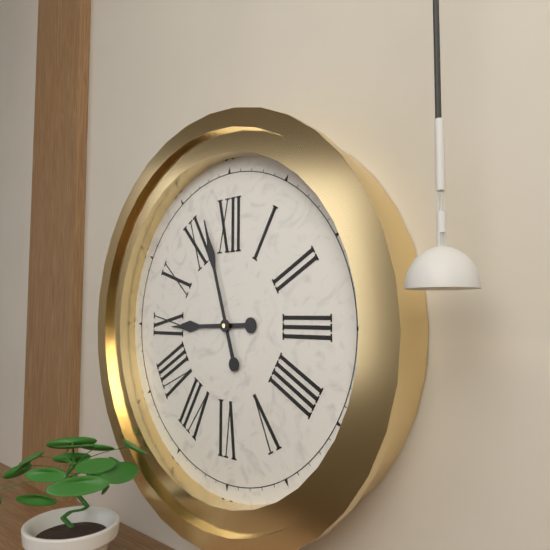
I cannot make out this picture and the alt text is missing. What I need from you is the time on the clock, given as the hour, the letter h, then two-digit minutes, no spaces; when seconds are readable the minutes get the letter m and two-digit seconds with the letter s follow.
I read 8h57
